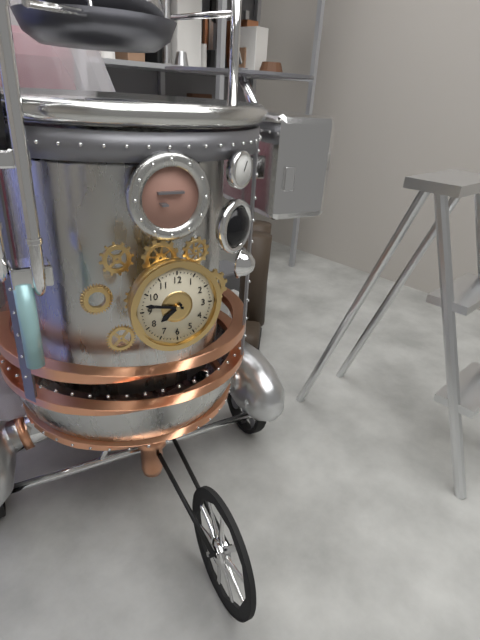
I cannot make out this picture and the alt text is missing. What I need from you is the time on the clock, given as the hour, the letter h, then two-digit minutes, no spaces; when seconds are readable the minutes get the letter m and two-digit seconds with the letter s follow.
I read 7h47
